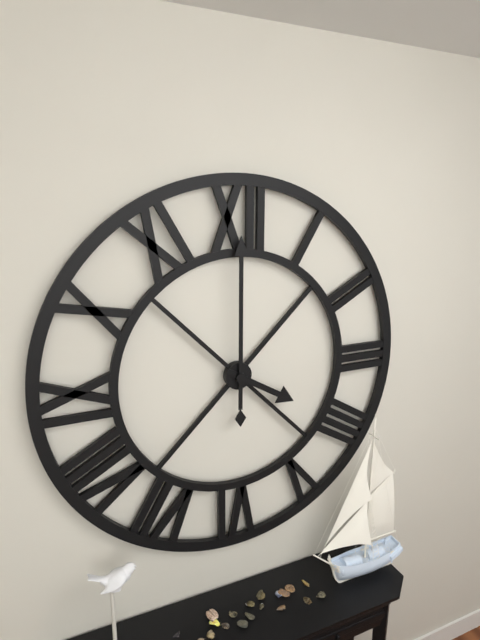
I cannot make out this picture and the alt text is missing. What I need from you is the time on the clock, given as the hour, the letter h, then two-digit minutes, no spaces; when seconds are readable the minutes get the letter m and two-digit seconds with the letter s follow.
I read 4h00
